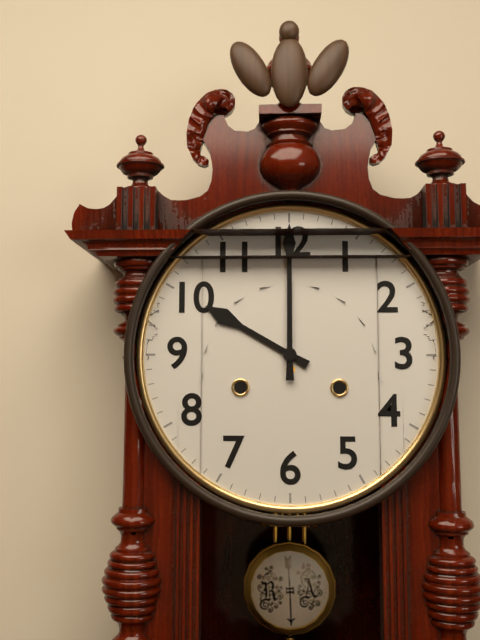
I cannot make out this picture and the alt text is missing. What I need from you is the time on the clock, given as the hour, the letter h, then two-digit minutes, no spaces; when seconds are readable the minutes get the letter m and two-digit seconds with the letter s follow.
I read 10h00
